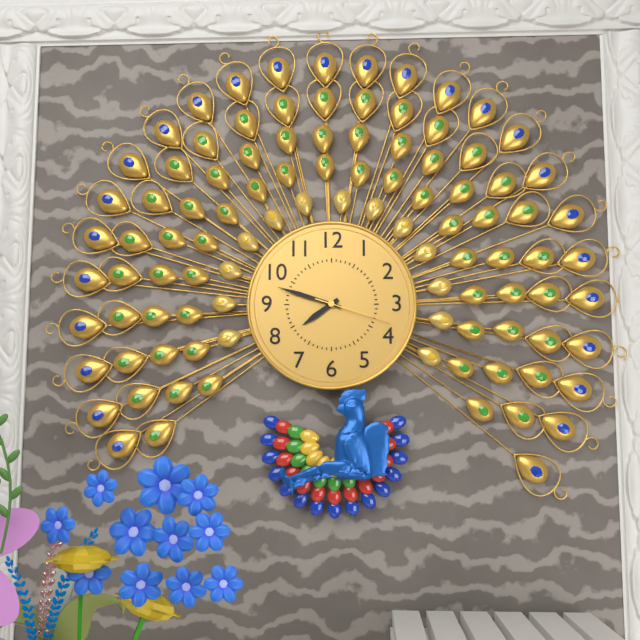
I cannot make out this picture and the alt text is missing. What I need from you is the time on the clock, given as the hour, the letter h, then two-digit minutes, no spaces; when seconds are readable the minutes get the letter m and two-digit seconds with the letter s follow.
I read 7h48m18s
